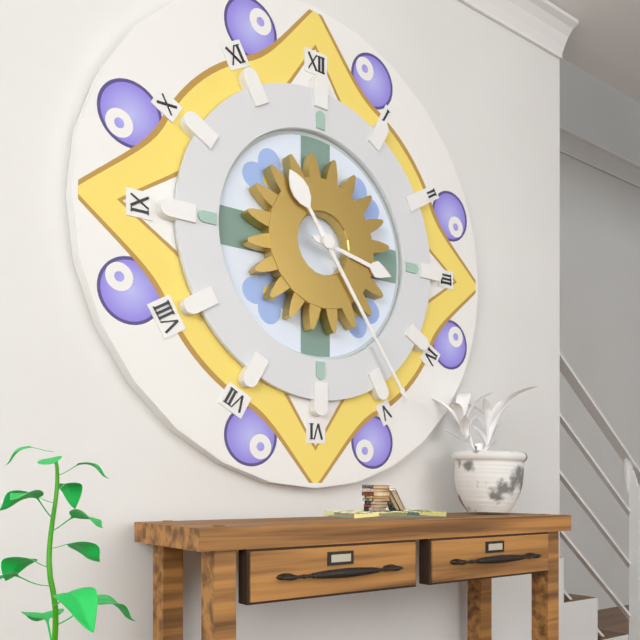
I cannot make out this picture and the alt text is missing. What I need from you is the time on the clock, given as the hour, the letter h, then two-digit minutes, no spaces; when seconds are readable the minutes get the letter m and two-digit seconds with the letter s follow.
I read 3h24
